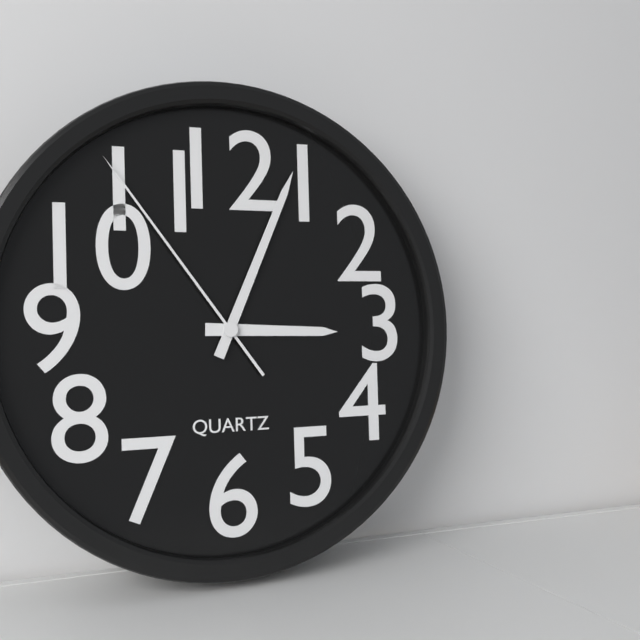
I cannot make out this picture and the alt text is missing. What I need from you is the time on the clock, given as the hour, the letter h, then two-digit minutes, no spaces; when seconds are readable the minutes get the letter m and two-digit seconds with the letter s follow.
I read 3h04m54s
